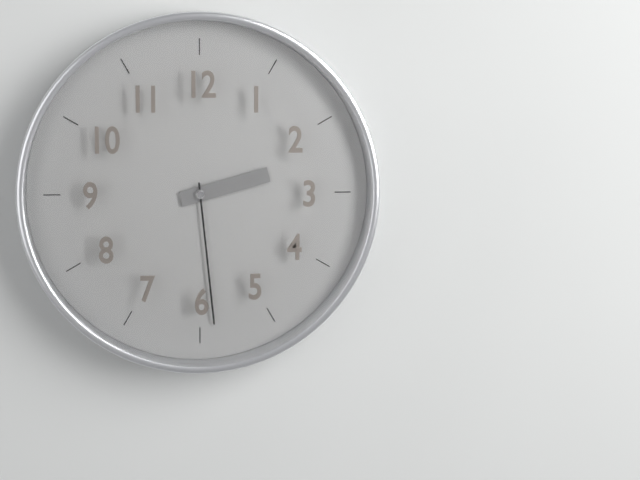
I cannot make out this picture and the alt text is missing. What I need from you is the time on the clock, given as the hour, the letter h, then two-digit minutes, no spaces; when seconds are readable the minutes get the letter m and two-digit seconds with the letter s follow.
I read 2h29
